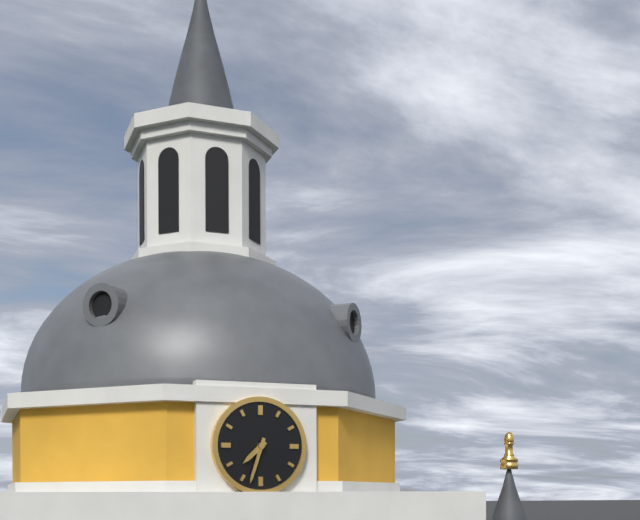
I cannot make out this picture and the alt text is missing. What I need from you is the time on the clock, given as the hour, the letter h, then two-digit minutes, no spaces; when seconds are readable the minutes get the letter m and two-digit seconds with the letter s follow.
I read 7h33
